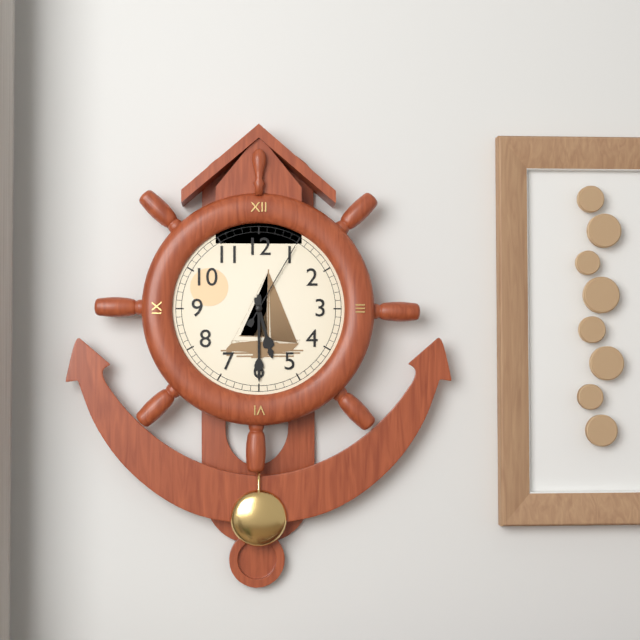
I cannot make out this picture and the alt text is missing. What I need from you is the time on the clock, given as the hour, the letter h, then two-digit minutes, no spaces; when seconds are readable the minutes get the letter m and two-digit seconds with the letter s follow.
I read 5h30m05s
